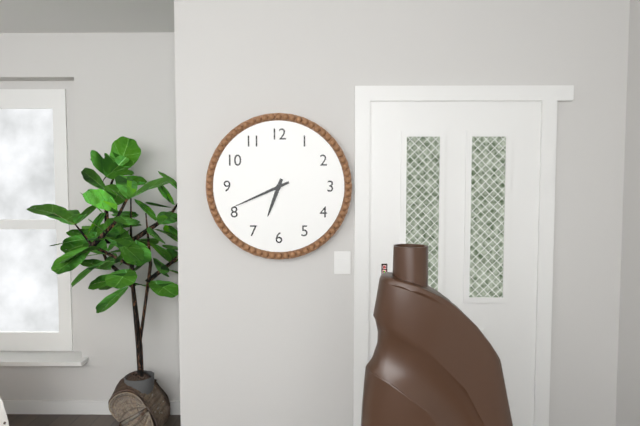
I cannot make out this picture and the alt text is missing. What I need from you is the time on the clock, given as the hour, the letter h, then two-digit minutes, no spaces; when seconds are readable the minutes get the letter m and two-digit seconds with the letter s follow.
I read 6h41
